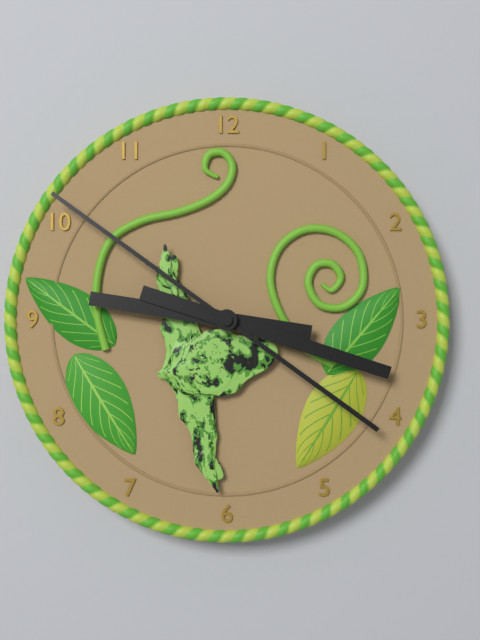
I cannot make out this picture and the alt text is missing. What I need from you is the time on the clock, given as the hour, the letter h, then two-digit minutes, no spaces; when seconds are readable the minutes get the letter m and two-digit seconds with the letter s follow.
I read 9h18m51s
